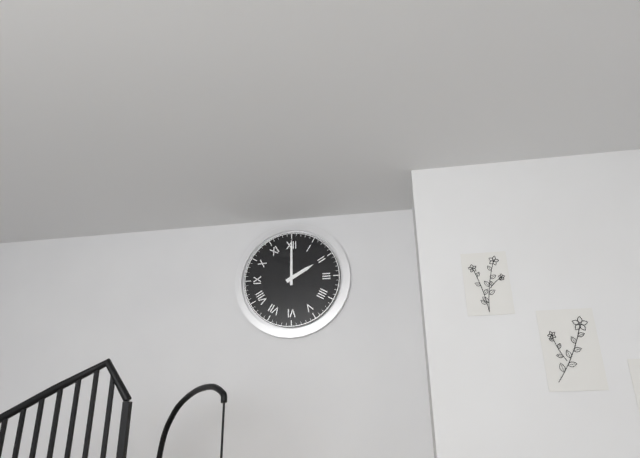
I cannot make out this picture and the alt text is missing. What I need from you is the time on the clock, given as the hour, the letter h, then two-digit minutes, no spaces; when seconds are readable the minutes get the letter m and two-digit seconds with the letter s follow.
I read 2h00
